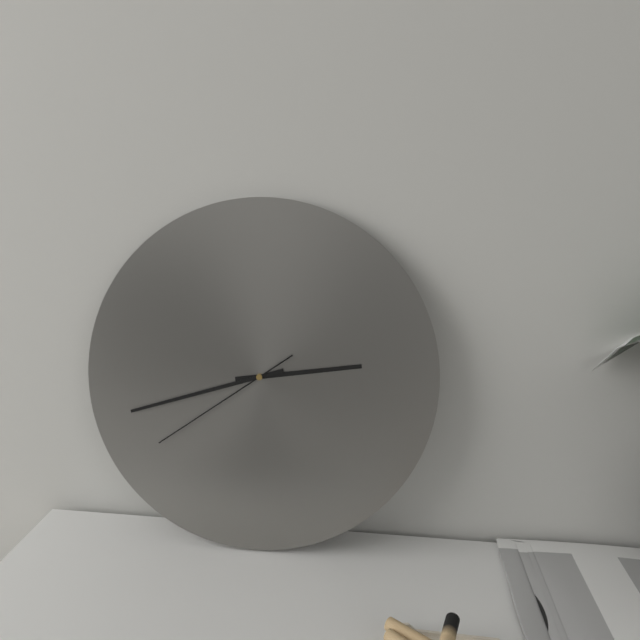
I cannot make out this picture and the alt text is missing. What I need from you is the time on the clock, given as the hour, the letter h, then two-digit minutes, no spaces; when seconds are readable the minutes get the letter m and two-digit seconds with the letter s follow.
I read 2h42m39s
